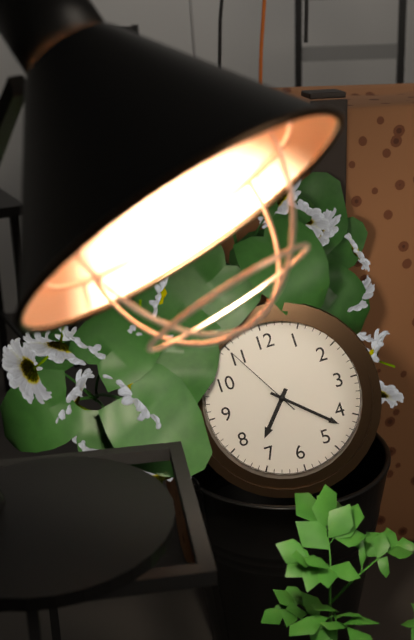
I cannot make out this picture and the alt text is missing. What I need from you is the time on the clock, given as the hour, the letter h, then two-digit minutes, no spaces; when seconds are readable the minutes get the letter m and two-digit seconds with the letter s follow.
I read 7h22m55s
